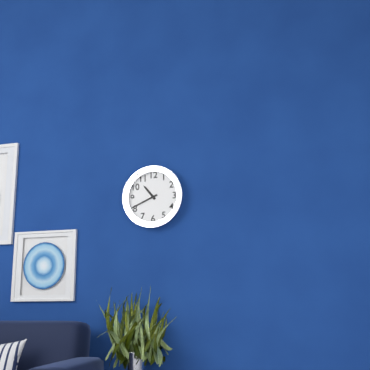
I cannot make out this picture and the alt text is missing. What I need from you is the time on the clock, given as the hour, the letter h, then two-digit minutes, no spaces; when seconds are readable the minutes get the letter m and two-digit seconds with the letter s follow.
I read 10h41
